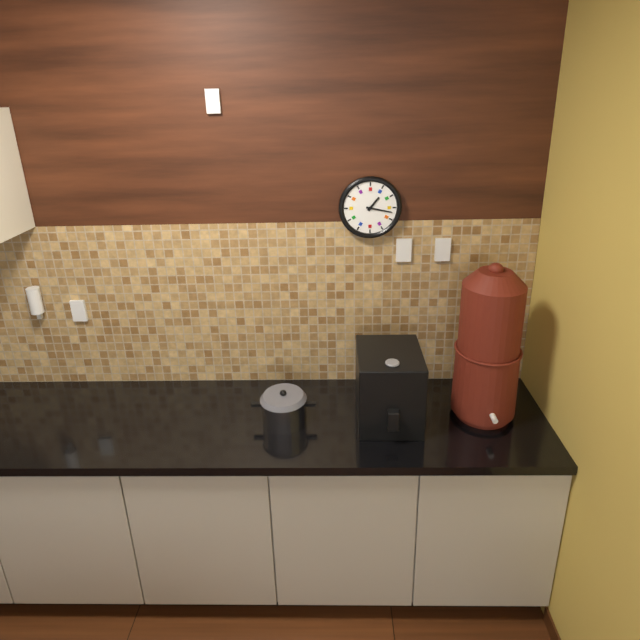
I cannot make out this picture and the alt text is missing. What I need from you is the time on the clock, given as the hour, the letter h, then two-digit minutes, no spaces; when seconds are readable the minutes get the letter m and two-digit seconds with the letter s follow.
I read 1h17
